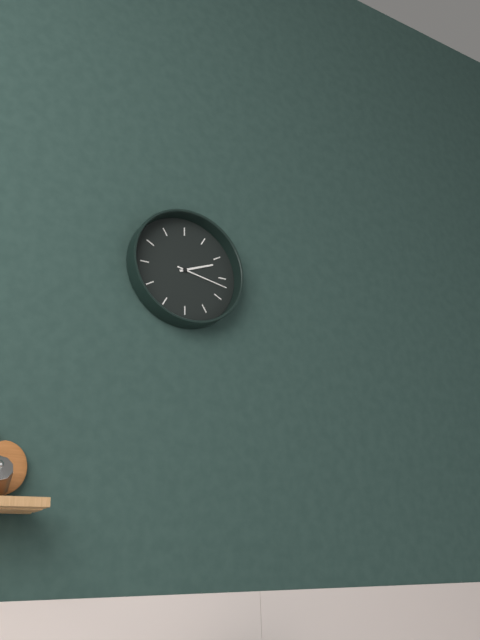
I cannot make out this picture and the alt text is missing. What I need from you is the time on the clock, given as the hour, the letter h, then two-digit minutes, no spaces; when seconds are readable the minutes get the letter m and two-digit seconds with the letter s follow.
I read 2h17
